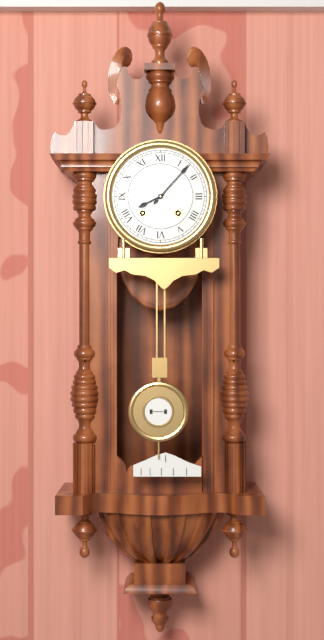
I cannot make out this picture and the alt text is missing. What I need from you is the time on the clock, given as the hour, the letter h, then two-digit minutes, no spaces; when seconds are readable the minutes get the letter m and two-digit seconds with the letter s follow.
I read 8h07
